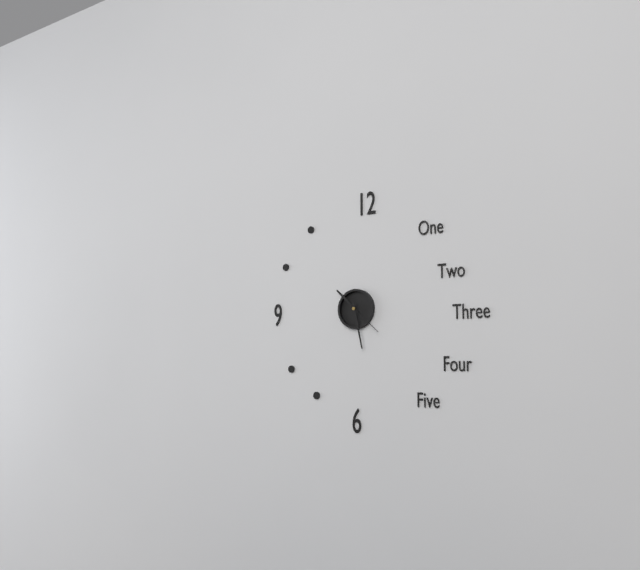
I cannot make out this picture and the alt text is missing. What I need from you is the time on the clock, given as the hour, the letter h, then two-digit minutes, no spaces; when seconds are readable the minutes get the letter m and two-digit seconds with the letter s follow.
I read 10h28
